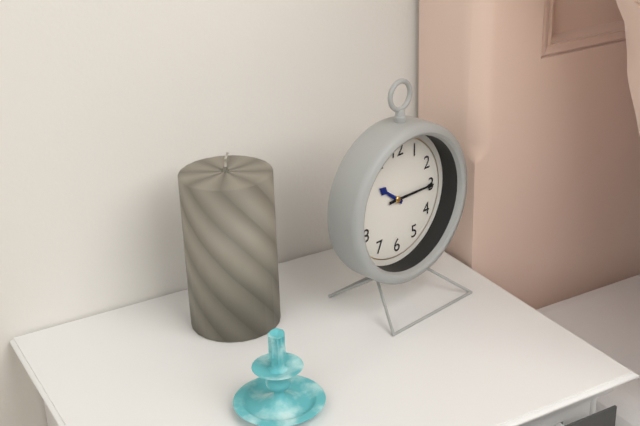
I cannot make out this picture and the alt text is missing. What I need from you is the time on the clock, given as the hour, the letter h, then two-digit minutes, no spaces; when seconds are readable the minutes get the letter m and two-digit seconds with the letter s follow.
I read 10h15
